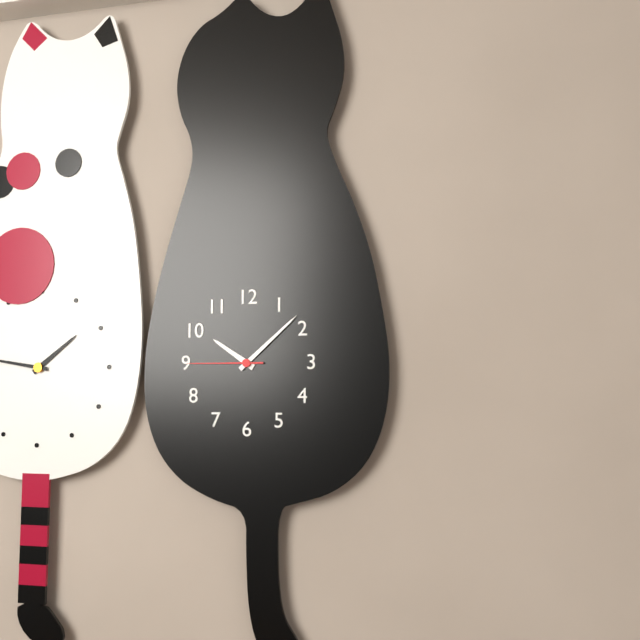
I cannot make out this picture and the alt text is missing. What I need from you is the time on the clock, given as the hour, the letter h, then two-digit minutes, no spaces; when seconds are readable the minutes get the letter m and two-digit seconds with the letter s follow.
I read 10h08m45s
